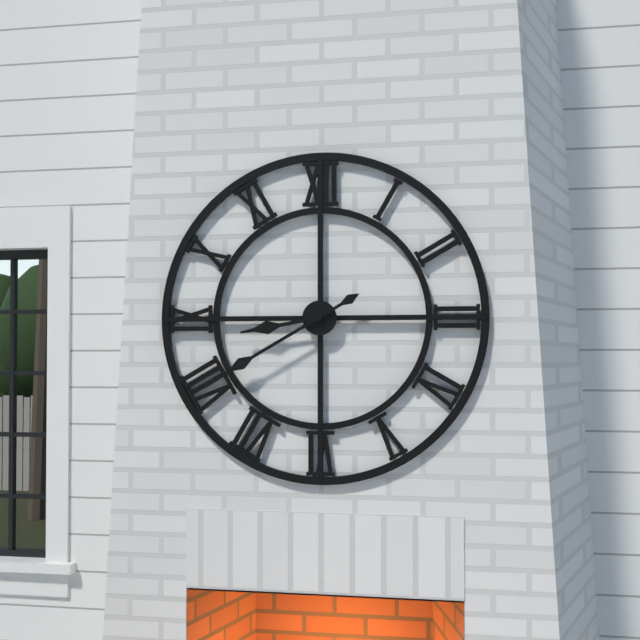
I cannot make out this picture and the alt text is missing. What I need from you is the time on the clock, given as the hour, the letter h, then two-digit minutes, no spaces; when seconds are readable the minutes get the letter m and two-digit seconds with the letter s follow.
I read 8h40
